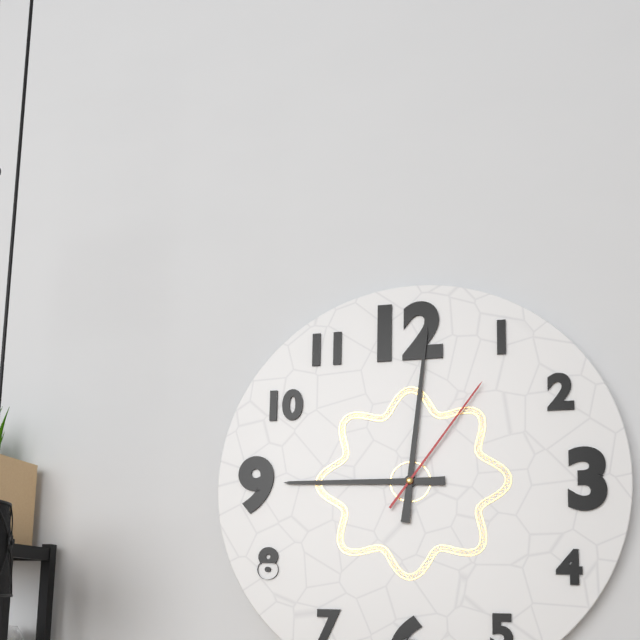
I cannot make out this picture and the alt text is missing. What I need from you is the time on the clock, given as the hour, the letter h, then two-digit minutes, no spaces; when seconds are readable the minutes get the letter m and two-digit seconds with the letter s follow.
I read 9h01m06s
